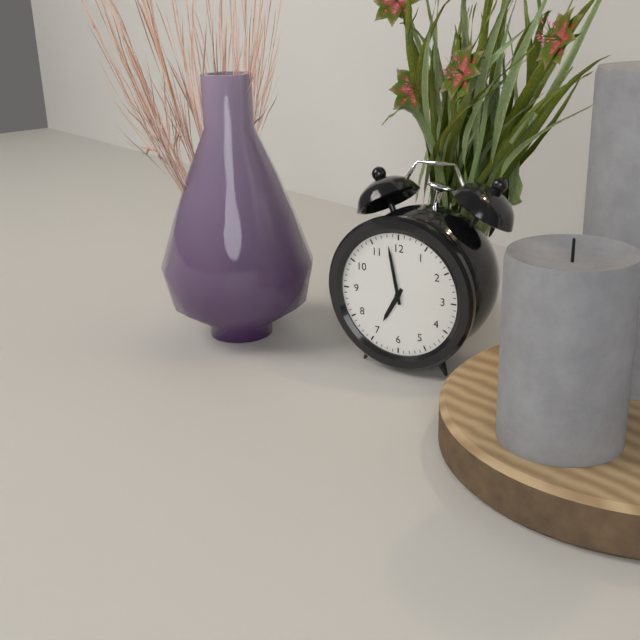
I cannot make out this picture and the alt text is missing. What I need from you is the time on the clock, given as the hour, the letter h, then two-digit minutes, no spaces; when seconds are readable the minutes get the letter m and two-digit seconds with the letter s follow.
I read 6h58
